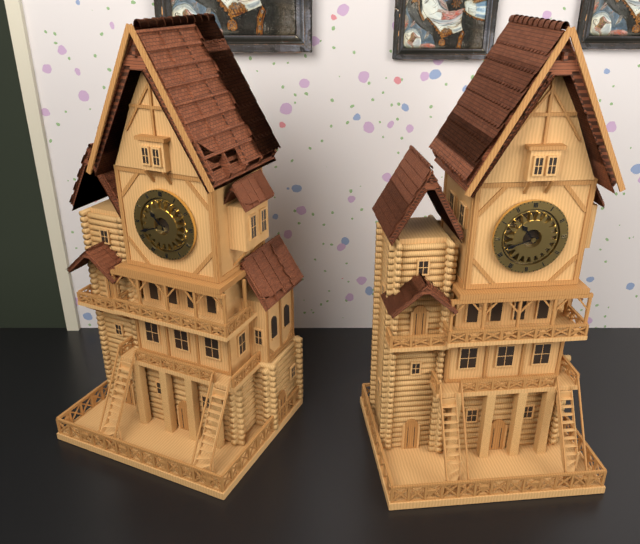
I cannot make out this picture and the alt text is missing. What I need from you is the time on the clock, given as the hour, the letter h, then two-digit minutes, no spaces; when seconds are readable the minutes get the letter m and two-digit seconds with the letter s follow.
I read 10h42
